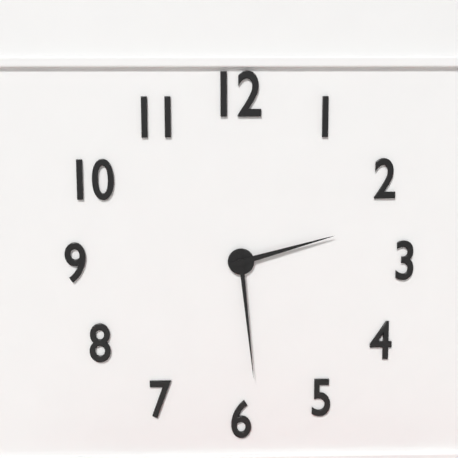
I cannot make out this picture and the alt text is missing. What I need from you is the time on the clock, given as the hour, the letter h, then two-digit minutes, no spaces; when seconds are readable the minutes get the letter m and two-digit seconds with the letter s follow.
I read 2h29
